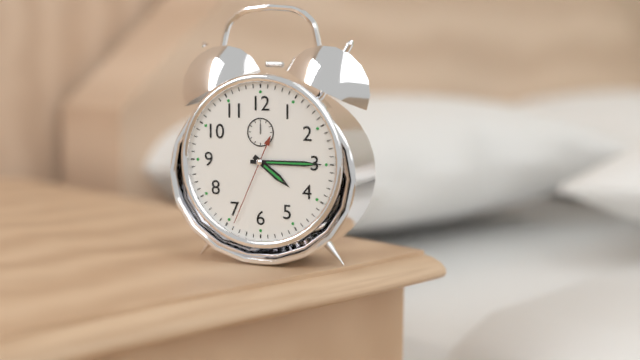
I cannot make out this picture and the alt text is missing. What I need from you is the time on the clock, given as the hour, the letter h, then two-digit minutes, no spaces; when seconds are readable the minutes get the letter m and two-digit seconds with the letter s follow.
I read 4h15m34s
